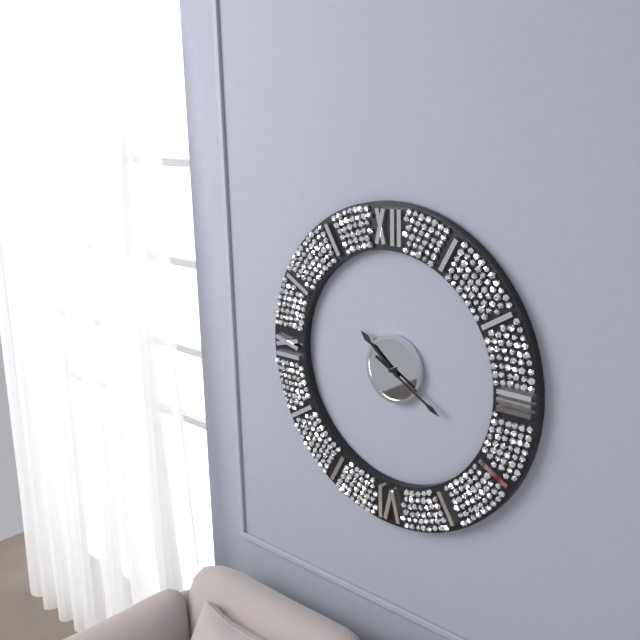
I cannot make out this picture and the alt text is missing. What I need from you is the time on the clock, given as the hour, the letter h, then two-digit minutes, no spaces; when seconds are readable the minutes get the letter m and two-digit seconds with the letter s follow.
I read 10h20
